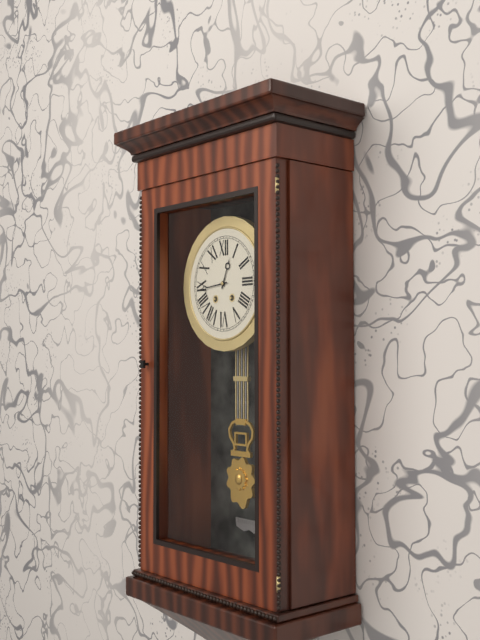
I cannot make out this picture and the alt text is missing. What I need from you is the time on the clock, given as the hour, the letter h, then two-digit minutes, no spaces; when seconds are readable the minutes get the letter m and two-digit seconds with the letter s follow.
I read 12h44
